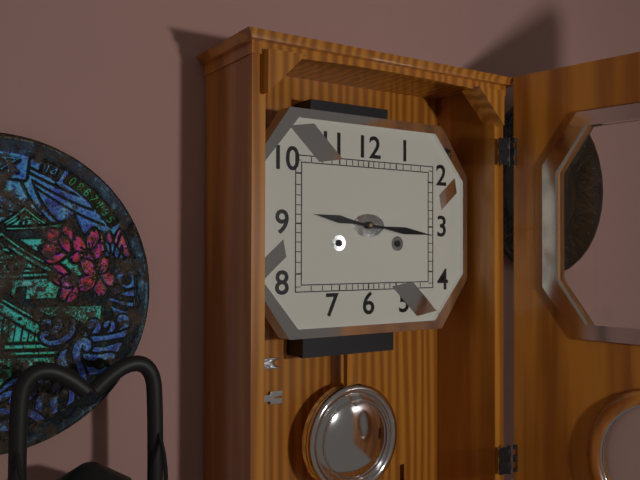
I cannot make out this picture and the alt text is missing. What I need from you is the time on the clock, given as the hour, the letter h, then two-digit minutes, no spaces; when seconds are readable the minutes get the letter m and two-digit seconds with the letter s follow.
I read 9h16
